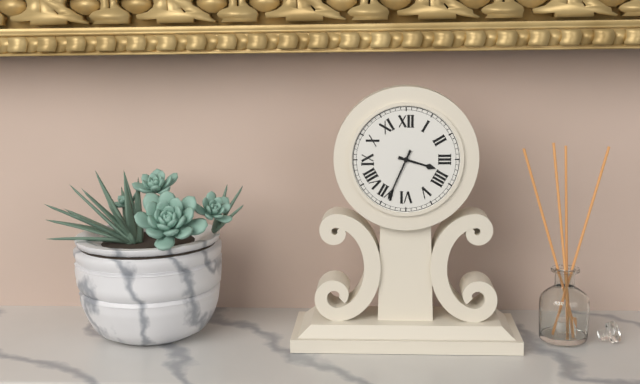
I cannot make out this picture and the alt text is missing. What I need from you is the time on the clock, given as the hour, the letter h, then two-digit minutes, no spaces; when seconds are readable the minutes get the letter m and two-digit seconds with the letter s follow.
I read 3h34
